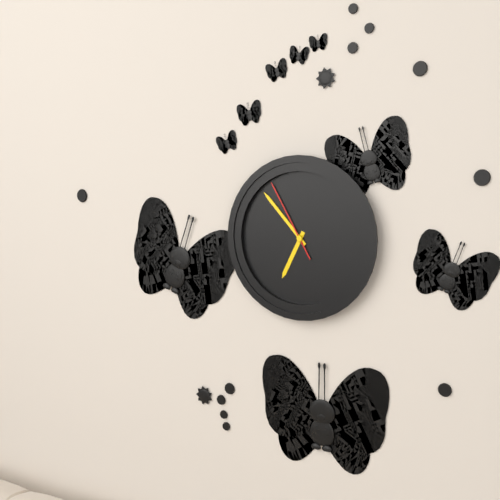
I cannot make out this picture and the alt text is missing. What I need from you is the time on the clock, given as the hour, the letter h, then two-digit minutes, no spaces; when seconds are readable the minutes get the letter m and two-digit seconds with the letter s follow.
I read 6h53m55s
